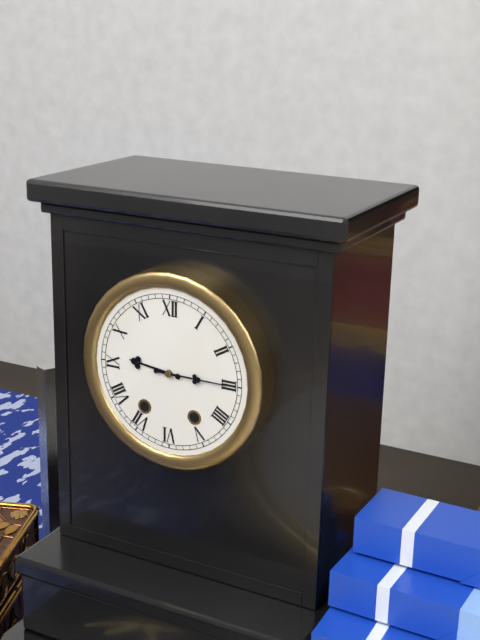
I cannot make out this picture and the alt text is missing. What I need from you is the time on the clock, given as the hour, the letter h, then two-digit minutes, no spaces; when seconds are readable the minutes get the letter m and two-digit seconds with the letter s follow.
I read 9h15
